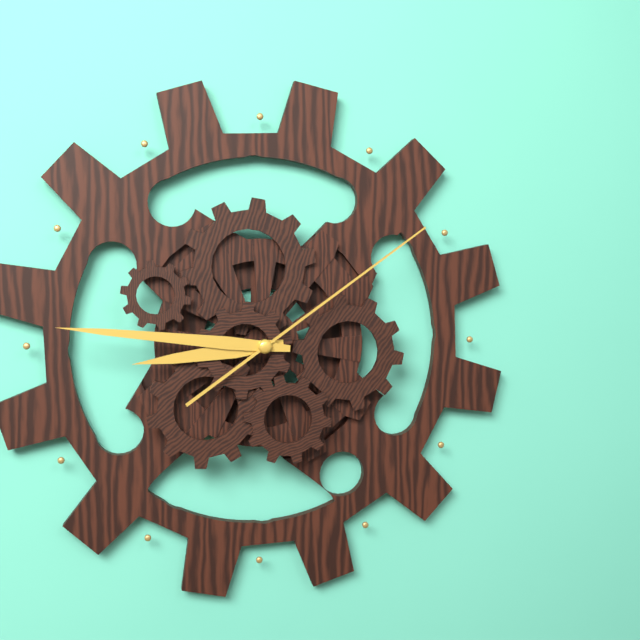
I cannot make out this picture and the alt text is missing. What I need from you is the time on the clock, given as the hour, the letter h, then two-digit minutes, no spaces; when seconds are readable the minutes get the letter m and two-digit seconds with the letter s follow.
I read 8h46m09s
